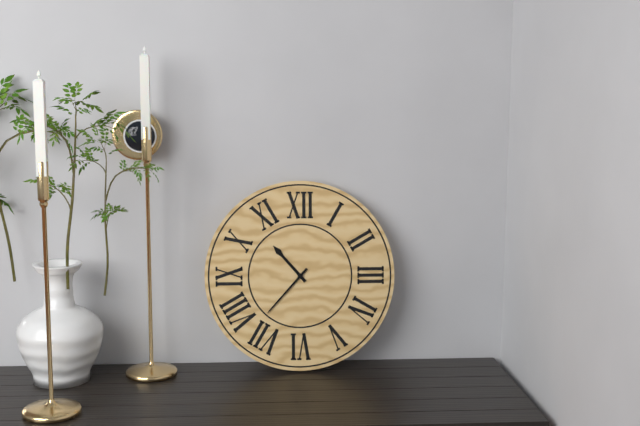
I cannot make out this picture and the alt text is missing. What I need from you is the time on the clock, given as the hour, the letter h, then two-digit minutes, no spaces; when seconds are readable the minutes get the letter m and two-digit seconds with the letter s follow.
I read 10h37
